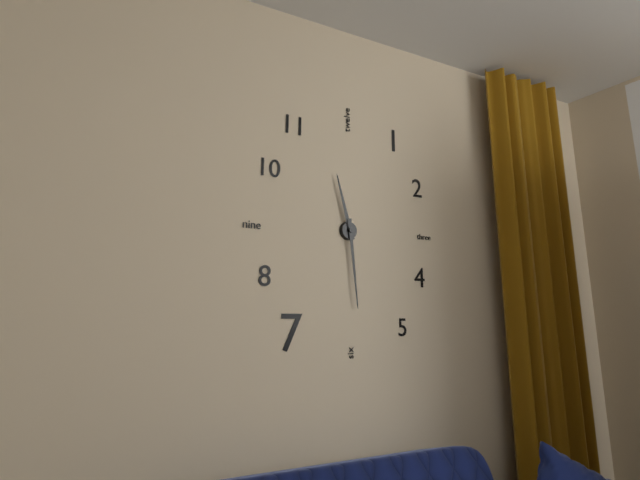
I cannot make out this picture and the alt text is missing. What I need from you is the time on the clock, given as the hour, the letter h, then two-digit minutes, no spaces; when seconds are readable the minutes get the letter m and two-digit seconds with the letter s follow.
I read 11h29
